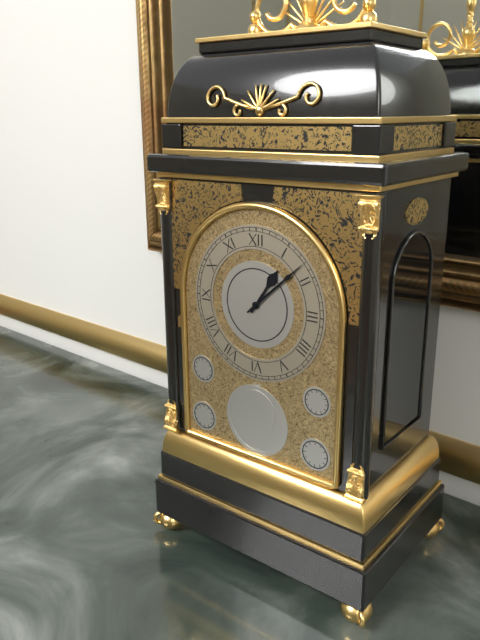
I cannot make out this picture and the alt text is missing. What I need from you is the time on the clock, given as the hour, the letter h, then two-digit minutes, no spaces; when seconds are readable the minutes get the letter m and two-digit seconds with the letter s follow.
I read 1h08
